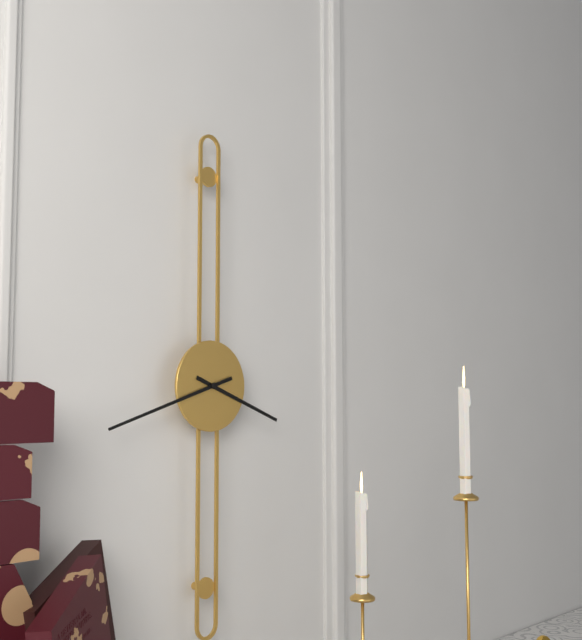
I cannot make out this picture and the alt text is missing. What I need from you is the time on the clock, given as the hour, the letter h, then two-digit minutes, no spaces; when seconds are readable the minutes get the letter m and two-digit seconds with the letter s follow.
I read 3h42
